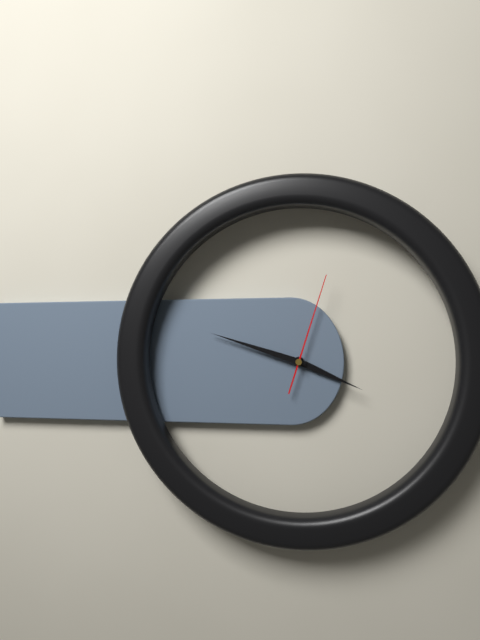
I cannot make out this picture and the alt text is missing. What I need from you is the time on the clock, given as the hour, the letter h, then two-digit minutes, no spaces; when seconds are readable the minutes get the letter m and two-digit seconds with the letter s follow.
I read 3h48m03s
